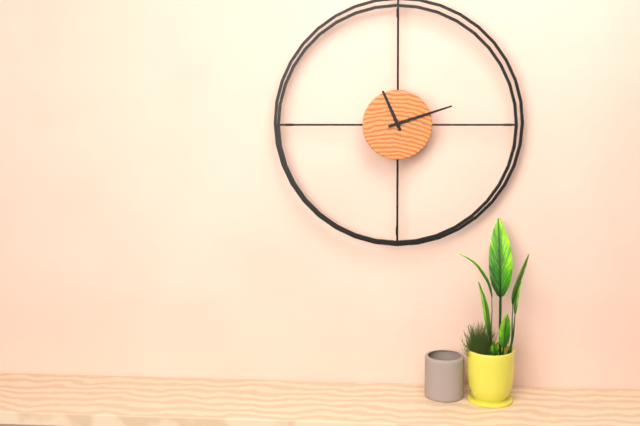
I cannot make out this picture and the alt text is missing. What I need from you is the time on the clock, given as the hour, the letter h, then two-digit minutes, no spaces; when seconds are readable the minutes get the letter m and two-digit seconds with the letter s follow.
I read 11h12
